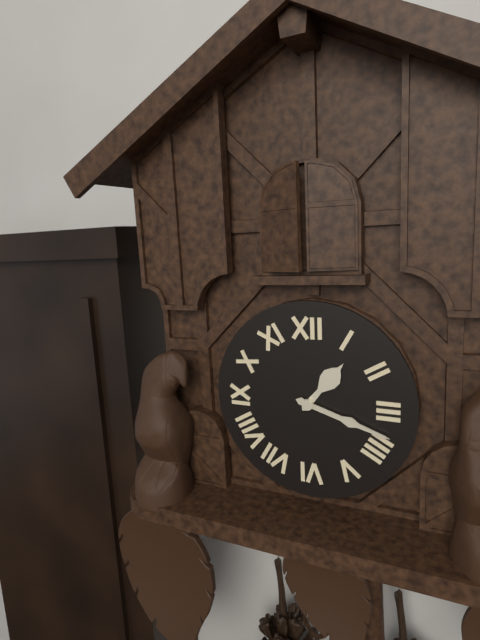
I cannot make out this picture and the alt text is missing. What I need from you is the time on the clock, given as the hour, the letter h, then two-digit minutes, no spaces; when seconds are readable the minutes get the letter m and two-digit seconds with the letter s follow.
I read 1h18
